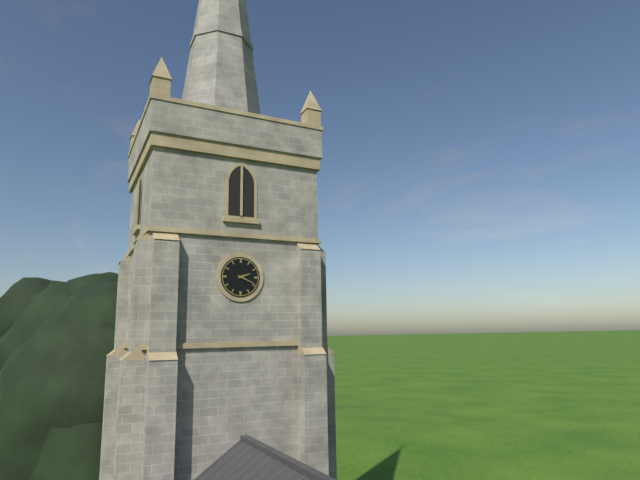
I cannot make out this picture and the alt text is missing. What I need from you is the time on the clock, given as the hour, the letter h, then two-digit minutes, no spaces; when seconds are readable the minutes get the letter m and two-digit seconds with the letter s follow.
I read 2h19
